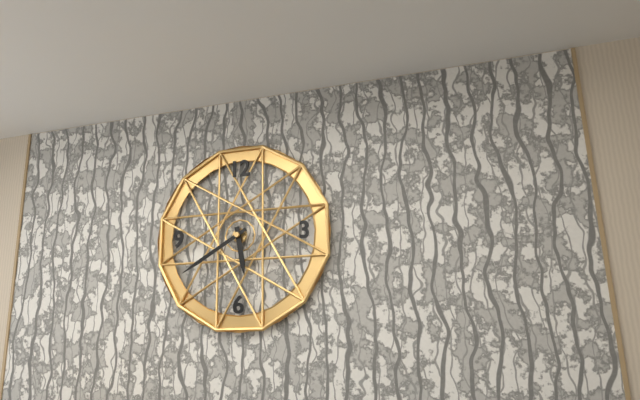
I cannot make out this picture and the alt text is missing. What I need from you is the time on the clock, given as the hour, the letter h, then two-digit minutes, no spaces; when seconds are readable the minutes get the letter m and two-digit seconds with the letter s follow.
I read 5h40
